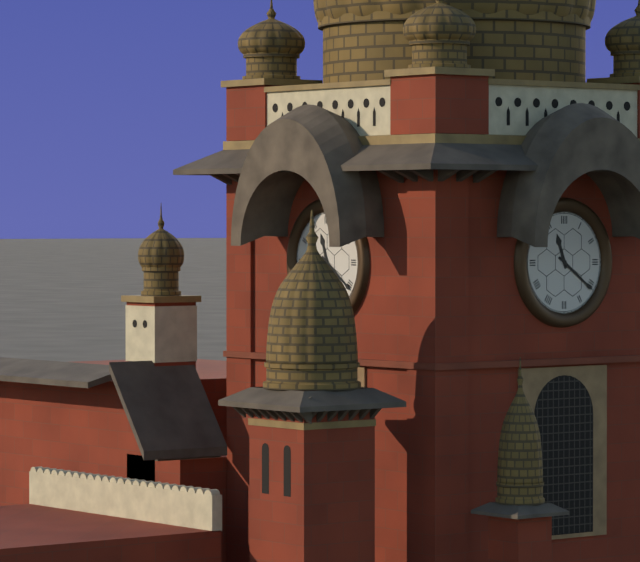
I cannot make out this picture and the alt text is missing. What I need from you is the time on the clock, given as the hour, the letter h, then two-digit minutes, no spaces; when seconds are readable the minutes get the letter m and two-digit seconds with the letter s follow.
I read 11h21
